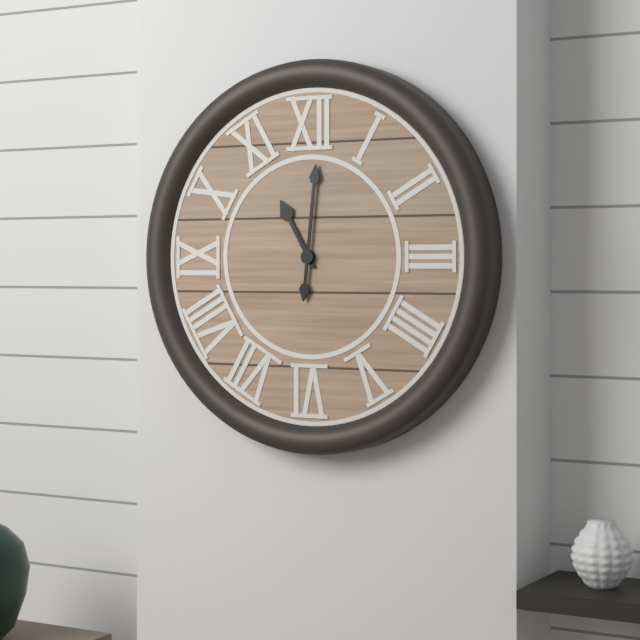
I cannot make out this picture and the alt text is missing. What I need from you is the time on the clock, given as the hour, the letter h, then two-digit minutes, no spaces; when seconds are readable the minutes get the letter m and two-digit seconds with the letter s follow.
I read 11h01
